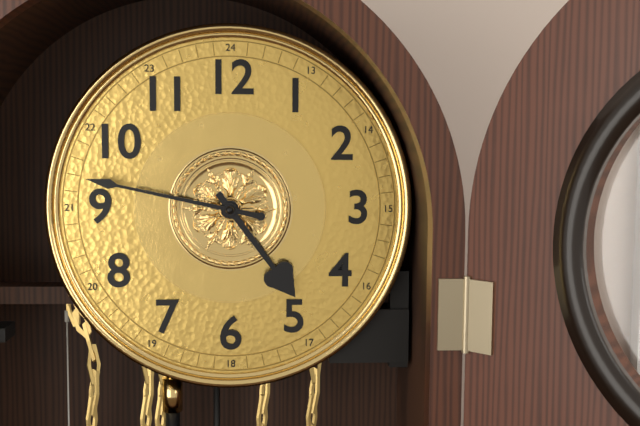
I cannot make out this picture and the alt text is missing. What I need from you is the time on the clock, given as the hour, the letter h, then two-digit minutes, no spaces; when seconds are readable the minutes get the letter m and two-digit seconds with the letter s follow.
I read 4h47
